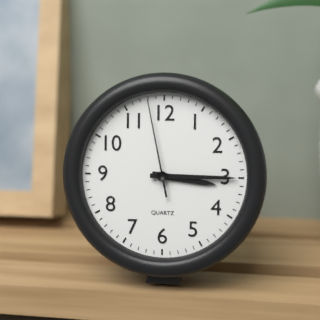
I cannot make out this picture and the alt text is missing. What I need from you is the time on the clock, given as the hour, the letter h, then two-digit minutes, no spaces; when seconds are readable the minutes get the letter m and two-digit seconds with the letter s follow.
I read 3h15m58s
